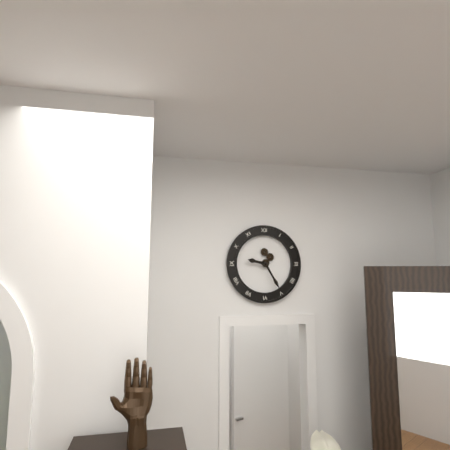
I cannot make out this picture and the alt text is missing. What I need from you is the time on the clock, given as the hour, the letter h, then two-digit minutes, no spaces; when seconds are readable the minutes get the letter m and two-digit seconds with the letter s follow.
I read 9h25
